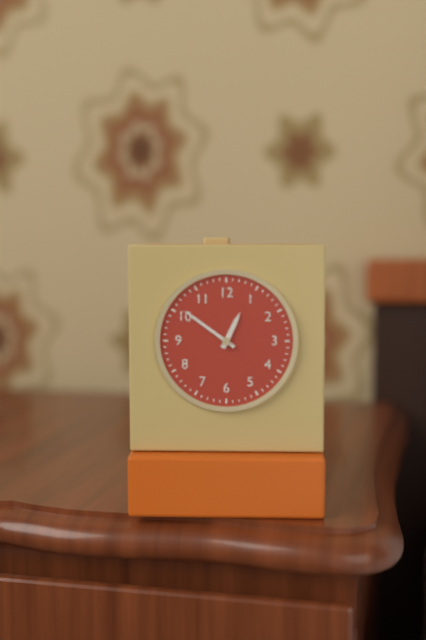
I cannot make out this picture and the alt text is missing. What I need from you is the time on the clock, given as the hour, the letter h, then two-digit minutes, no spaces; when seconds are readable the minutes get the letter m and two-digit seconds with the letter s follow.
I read 12h51
